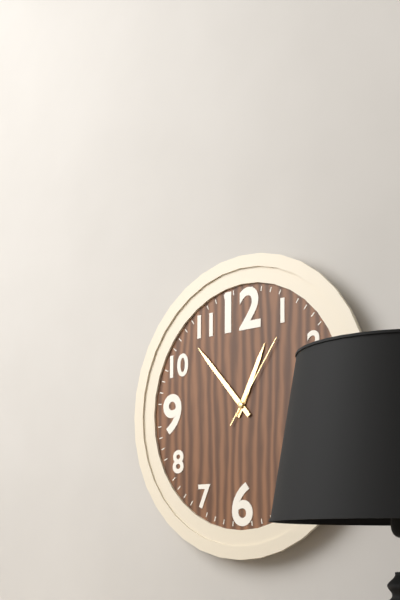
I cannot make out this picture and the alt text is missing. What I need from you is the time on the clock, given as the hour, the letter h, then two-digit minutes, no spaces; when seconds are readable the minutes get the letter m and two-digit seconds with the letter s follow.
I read 12h53m06s
